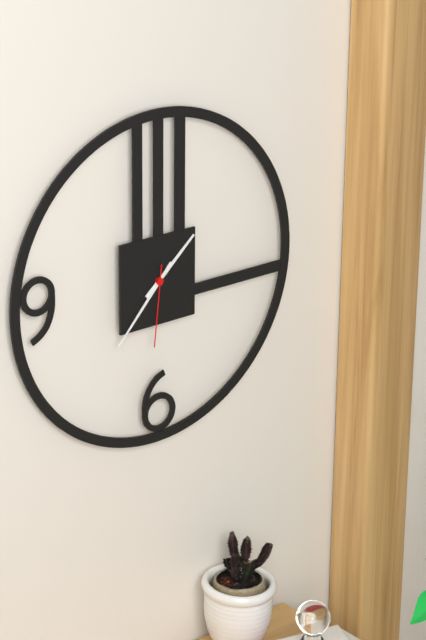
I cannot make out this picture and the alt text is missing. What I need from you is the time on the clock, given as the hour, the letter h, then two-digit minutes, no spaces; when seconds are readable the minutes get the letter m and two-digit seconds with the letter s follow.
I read 1h37m31s
